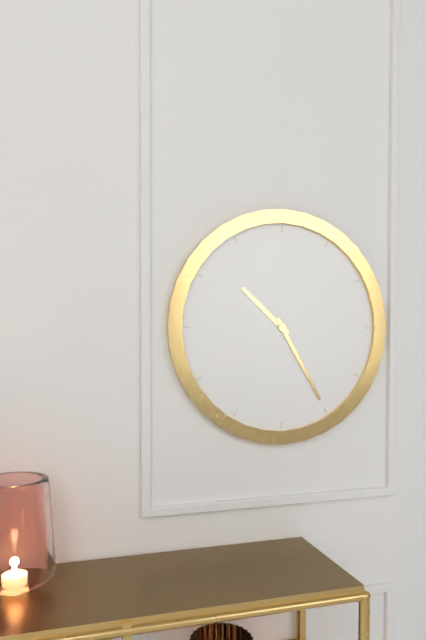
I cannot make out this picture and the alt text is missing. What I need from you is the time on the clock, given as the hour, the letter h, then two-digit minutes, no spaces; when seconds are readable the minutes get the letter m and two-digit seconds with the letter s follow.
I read 10h25
